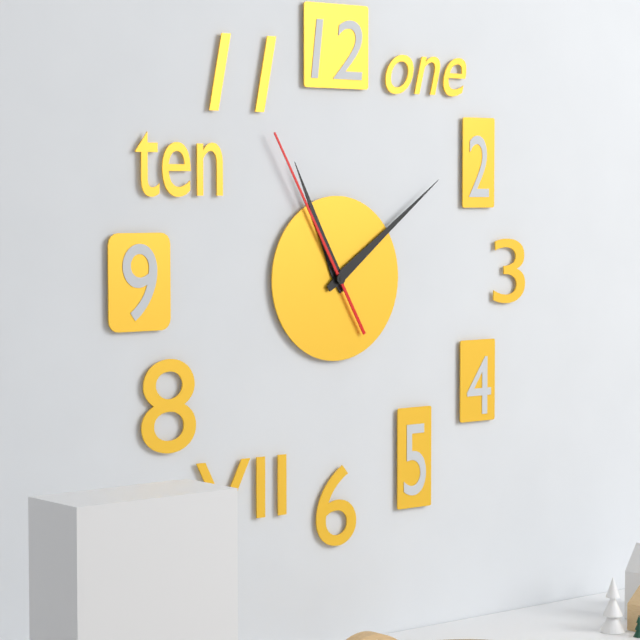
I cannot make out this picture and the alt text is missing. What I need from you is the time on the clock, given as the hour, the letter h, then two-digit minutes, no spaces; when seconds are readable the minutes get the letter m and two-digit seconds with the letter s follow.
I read 11h09m55s
